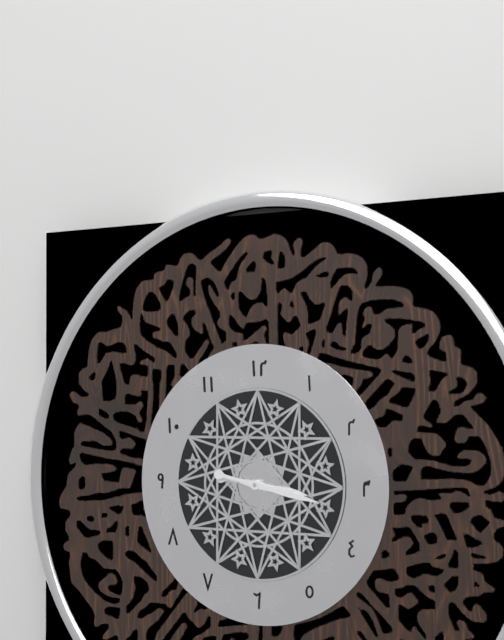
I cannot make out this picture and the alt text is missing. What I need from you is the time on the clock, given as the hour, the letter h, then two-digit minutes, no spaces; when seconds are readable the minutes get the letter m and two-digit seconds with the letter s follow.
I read 3h17
